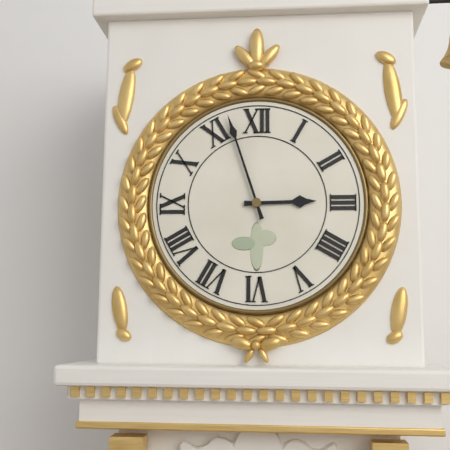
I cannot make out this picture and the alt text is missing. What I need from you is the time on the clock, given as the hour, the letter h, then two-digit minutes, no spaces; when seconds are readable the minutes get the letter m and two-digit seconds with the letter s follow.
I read 2h57
